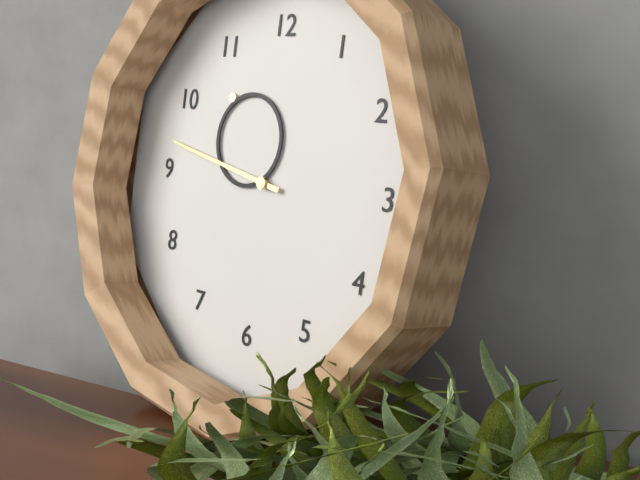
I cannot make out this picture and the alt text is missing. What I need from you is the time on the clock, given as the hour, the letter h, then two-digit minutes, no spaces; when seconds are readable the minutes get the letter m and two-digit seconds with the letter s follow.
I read 10h47
